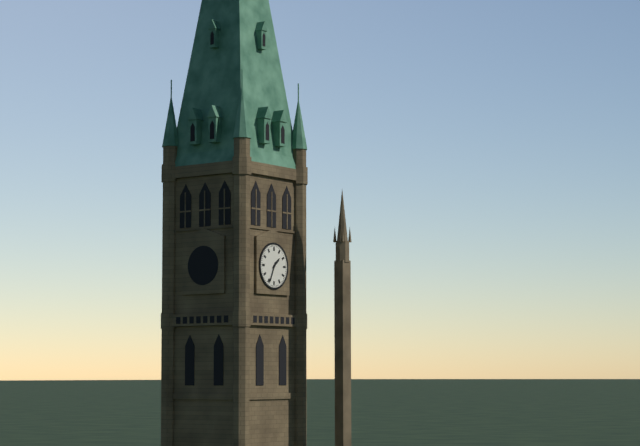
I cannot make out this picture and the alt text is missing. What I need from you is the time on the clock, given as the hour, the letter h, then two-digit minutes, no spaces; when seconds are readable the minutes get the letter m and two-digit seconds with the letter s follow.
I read 1h34
